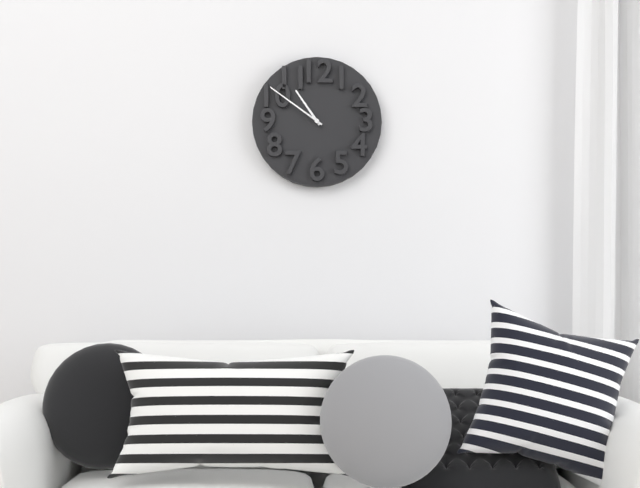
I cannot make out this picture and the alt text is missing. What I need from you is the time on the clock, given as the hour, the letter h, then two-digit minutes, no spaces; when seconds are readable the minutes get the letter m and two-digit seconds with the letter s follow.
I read 10h51
